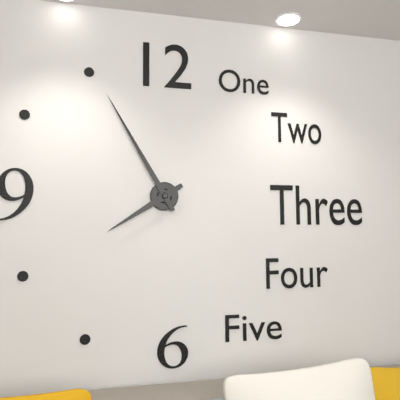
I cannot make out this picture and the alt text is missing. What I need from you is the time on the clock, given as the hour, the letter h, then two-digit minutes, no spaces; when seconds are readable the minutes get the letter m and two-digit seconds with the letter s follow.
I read 7h55
